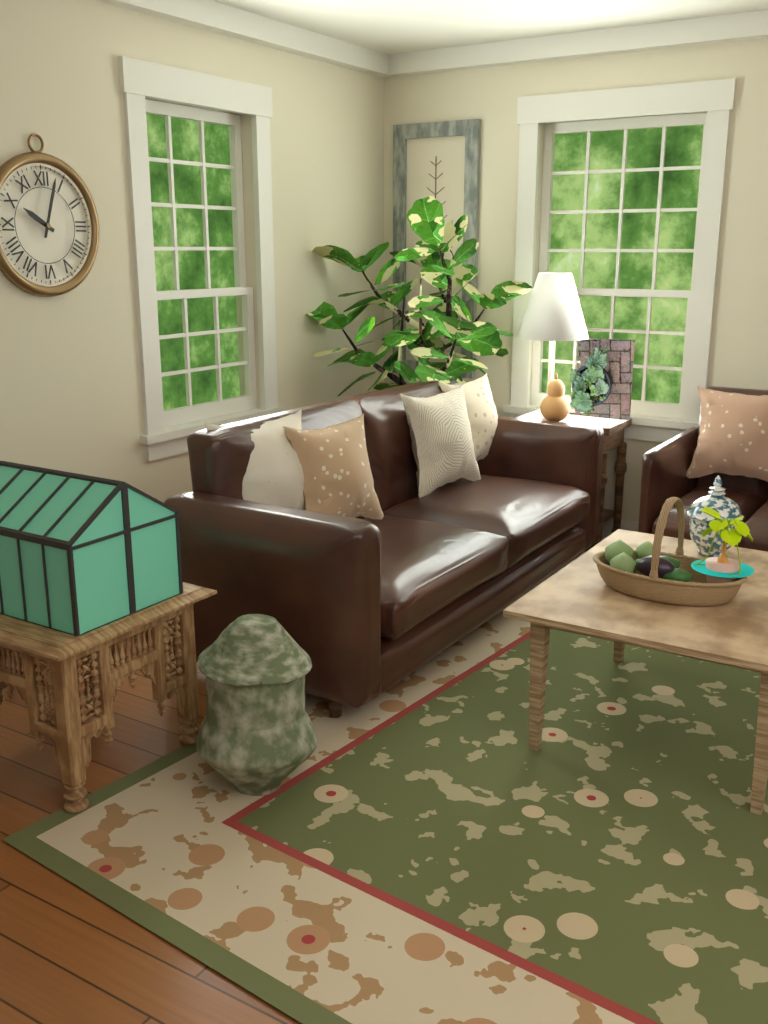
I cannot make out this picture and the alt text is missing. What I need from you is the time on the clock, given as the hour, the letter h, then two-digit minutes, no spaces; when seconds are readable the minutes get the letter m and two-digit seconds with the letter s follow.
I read 10h03
